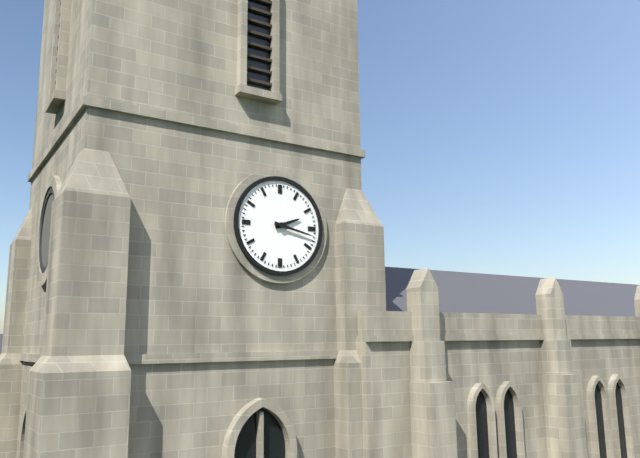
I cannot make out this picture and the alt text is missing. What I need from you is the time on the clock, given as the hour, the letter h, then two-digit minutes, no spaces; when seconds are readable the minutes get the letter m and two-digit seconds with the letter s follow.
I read 2h17
